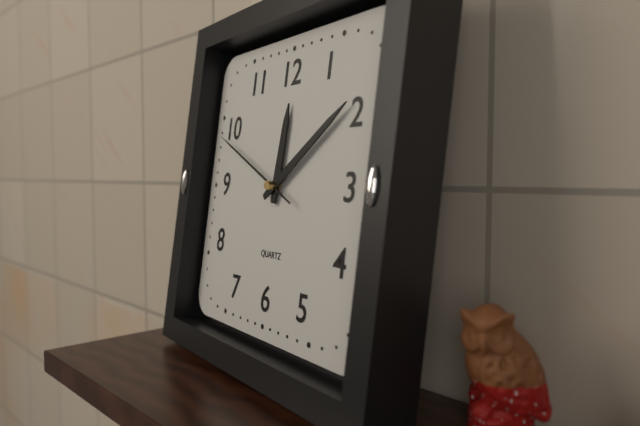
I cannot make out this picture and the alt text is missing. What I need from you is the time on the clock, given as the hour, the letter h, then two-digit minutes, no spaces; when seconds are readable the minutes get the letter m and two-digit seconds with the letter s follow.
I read 12h09m49s
